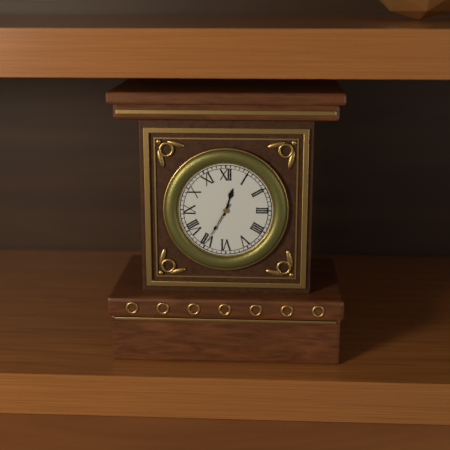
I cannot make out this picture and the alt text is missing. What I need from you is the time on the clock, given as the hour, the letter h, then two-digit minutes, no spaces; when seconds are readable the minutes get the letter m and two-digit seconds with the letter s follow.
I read 12h35
